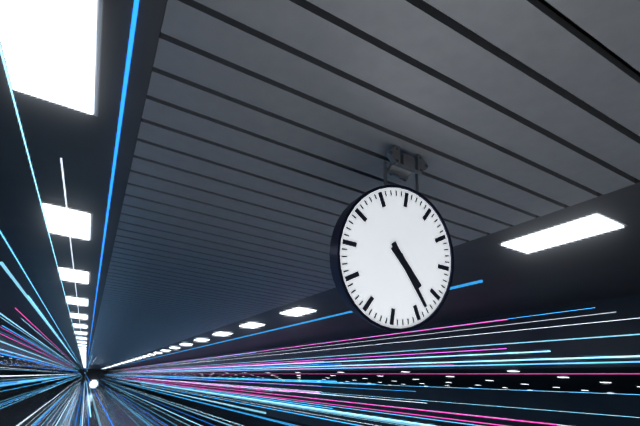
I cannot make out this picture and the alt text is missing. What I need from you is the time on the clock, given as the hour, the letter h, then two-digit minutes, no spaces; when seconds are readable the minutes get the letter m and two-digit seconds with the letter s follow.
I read 4h23
